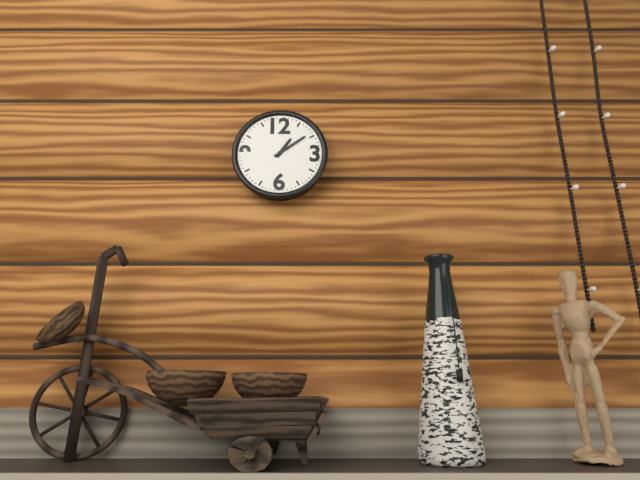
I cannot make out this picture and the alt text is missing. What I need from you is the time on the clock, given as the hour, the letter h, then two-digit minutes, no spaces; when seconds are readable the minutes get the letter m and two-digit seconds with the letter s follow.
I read 1h09
